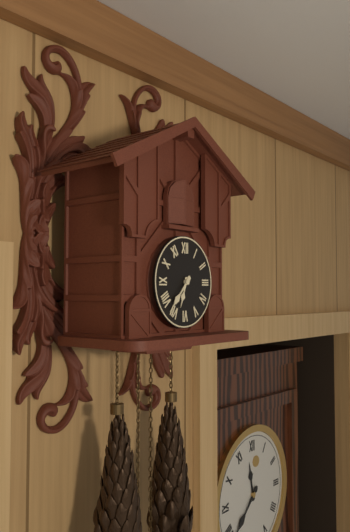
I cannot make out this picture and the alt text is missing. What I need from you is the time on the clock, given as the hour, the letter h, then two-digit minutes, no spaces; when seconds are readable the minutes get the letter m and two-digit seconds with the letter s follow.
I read 6h37
